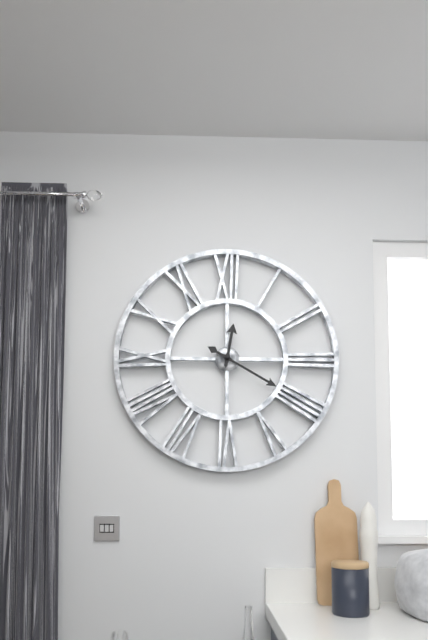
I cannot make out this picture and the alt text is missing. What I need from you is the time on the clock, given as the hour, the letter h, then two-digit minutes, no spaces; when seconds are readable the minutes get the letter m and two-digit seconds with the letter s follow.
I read 12h20
